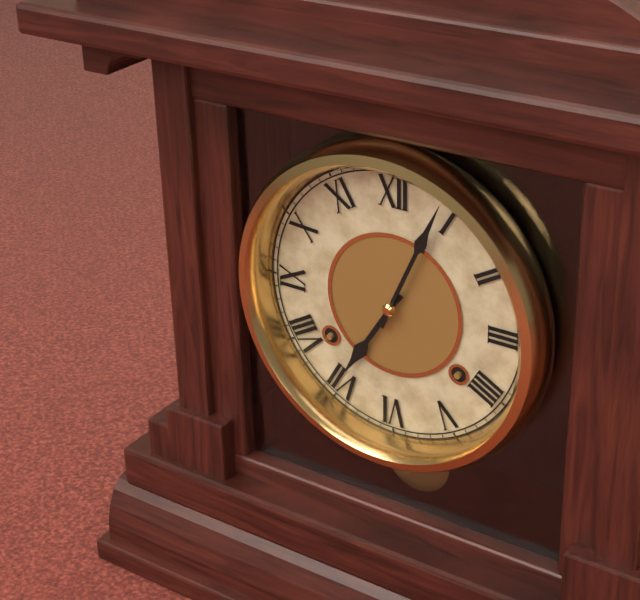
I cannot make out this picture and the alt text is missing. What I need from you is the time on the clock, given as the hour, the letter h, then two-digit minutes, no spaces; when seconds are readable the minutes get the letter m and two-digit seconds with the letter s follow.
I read 7h04
